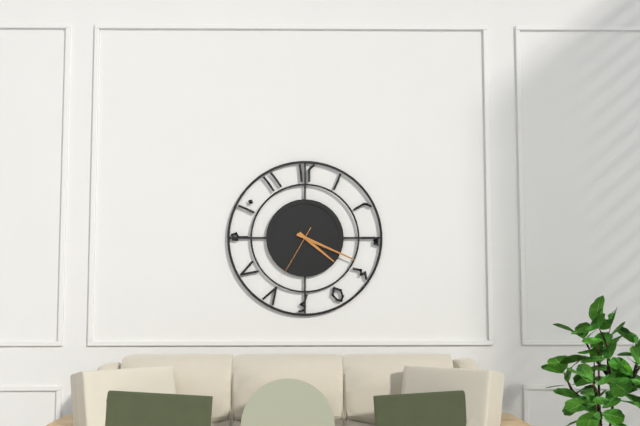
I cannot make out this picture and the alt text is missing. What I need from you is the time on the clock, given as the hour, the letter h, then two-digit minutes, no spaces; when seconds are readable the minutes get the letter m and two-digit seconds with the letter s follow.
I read 4h19m35s
